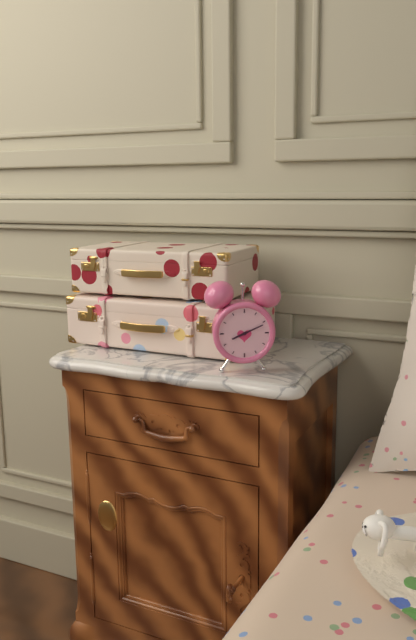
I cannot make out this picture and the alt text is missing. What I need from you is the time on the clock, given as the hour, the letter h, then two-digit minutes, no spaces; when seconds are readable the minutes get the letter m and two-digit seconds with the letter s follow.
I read 8h11
